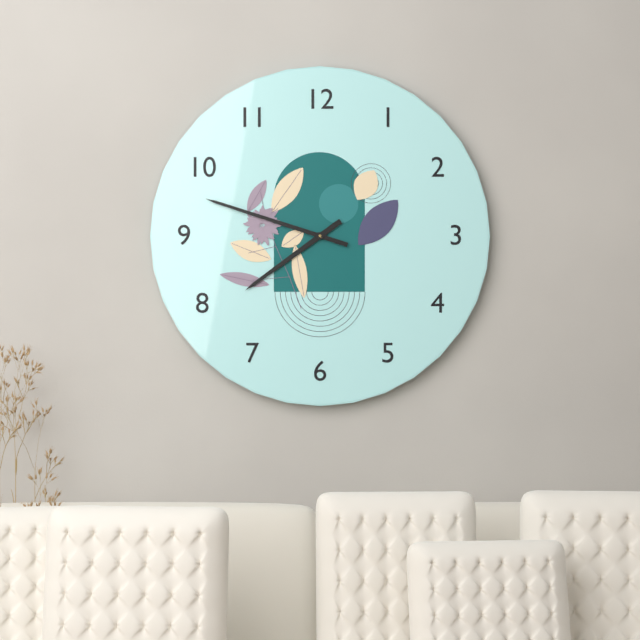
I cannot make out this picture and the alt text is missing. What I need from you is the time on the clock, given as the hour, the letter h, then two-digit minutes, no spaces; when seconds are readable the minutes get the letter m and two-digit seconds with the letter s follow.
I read 7h48
